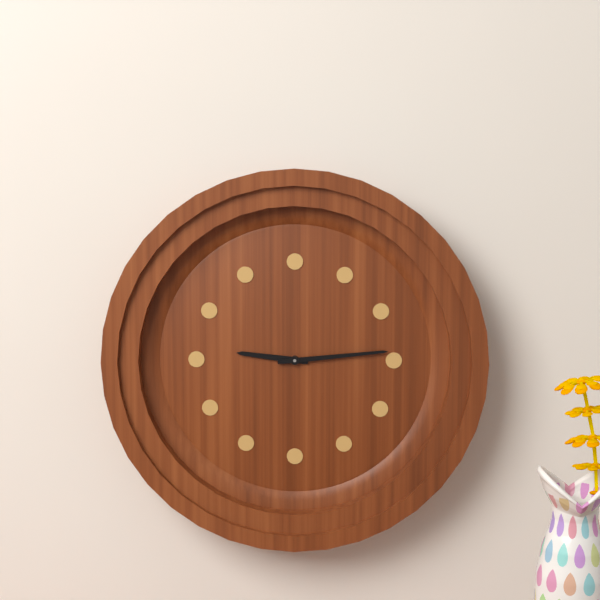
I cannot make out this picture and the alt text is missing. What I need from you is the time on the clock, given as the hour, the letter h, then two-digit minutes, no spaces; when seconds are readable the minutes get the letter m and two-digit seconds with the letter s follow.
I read 9h14
